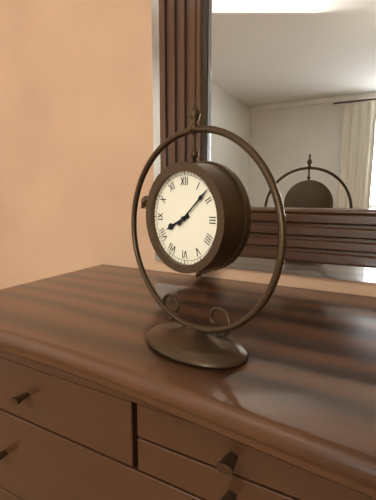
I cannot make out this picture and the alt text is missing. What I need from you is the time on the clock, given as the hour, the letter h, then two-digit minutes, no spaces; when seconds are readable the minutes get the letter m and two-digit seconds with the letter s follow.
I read 8h08
